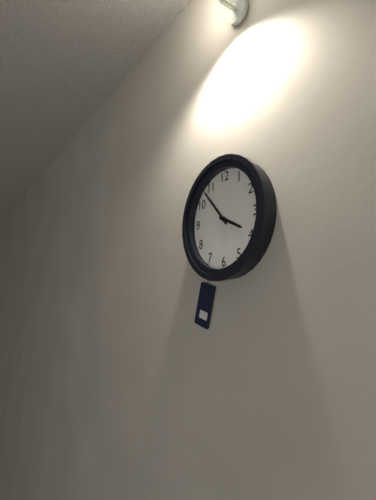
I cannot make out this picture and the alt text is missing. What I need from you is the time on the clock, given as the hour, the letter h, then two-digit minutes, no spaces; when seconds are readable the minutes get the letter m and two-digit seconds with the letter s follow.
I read 3h53
